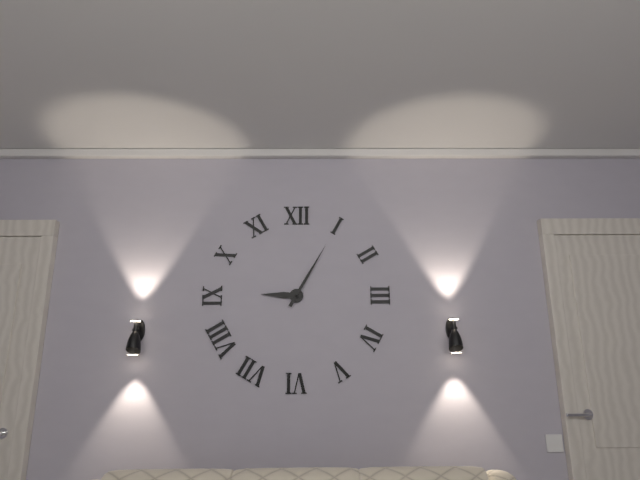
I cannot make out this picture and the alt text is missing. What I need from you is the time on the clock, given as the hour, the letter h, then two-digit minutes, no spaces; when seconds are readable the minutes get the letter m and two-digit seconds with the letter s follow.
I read 9h05
